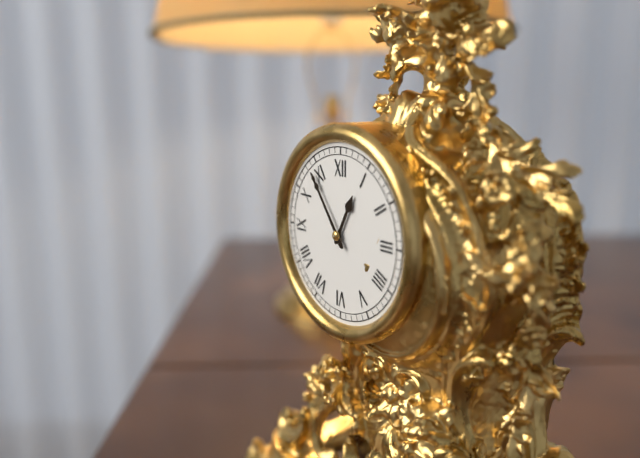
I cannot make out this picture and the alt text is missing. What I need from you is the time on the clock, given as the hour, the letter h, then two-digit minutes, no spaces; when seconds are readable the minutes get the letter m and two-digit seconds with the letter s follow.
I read 12h54
